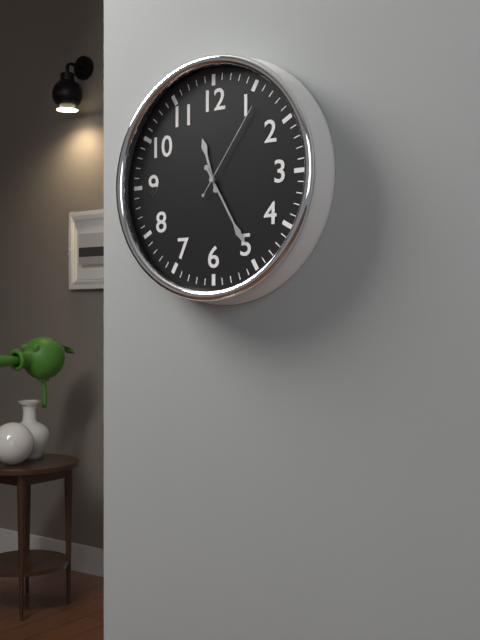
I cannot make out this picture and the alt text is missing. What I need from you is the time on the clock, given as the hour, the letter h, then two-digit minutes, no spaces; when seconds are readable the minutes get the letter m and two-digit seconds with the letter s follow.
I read 11h25m06s
